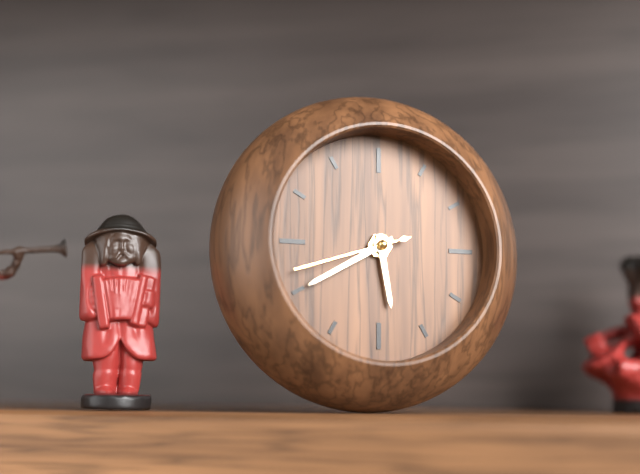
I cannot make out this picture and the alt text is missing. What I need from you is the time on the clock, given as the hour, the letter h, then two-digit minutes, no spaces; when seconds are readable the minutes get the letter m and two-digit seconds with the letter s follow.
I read 5h40m42s
